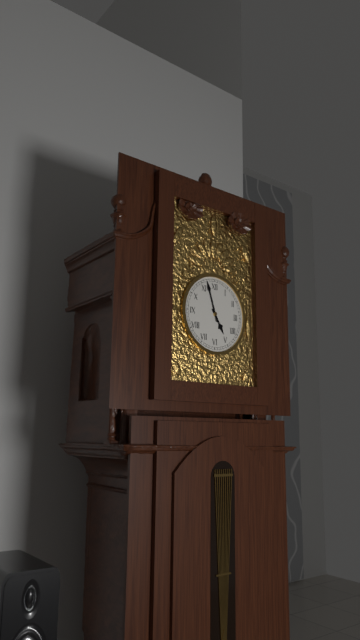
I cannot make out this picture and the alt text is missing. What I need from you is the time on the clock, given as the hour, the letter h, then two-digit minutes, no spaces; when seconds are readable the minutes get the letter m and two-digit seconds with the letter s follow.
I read 4h57
